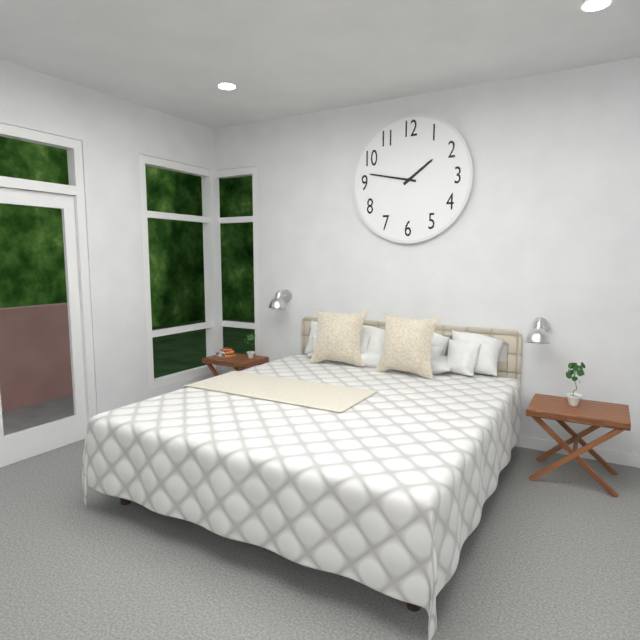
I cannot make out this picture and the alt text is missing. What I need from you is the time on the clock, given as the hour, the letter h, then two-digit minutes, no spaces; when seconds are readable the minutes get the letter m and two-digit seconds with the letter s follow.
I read 1h47
